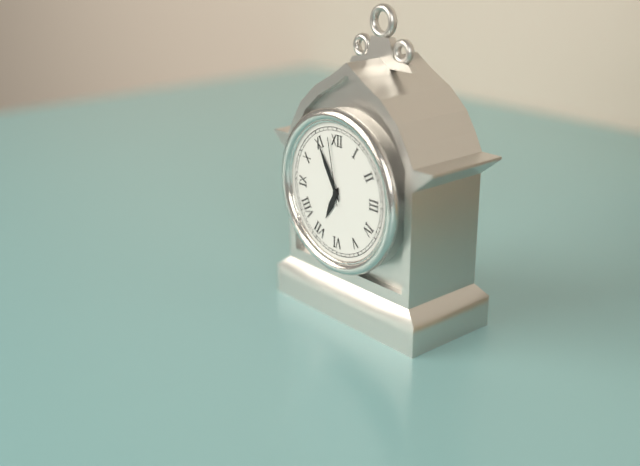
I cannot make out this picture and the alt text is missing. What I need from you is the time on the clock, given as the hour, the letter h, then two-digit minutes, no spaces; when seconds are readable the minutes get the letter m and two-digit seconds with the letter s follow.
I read 6h55m58s
